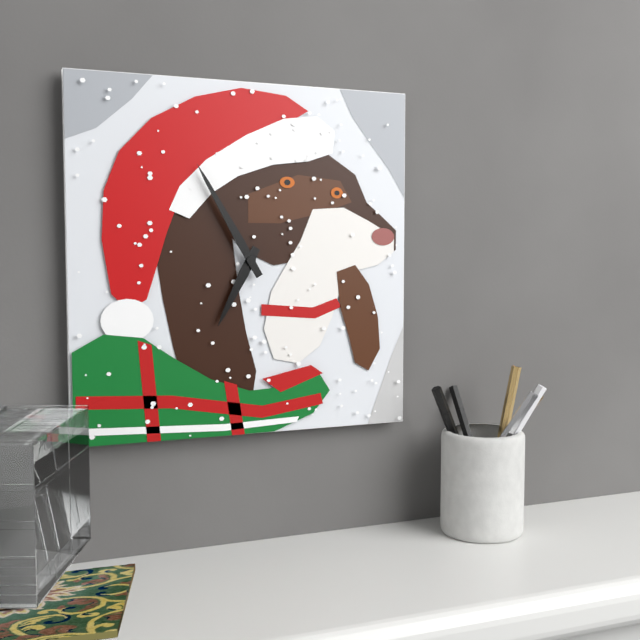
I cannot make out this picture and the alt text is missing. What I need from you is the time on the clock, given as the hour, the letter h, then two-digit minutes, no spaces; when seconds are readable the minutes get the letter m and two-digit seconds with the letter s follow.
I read 6h55
